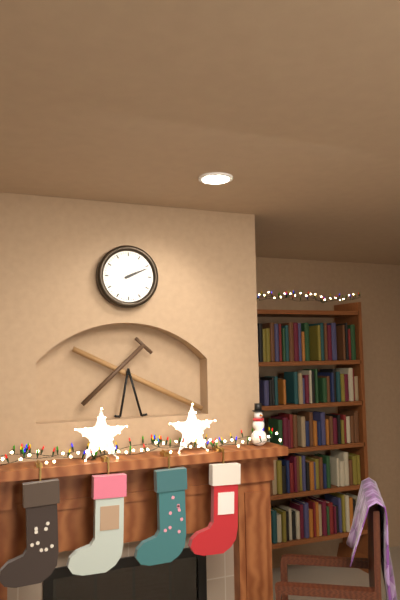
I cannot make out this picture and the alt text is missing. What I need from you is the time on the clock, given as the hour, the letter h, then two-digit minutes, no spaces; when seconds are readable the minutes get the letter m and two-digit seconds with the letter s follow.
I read 2h11
